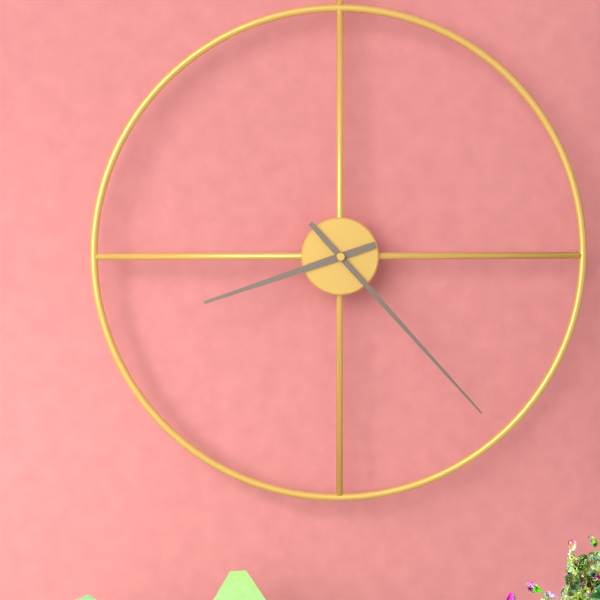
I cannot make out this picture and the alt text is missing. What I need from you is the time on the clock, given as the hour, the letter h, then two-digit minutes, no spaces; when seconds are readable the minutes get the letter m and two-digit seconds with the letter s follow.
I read 8h23
